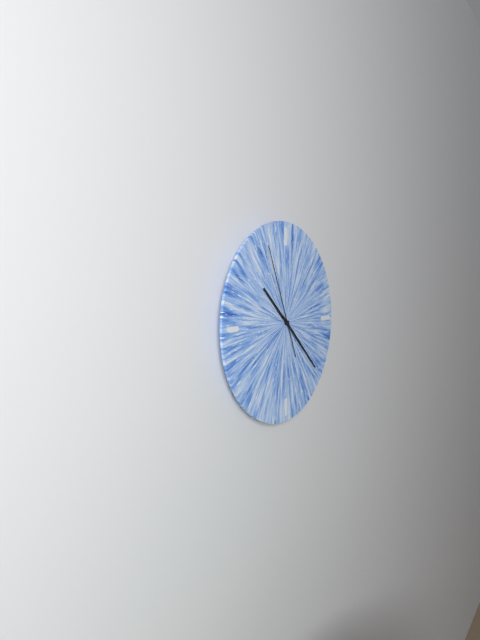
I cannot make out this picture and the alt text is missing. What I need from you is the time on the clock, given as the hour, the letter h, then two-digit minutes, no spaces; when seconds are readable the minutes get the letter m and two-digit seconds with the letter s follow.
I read 10h22m56s
